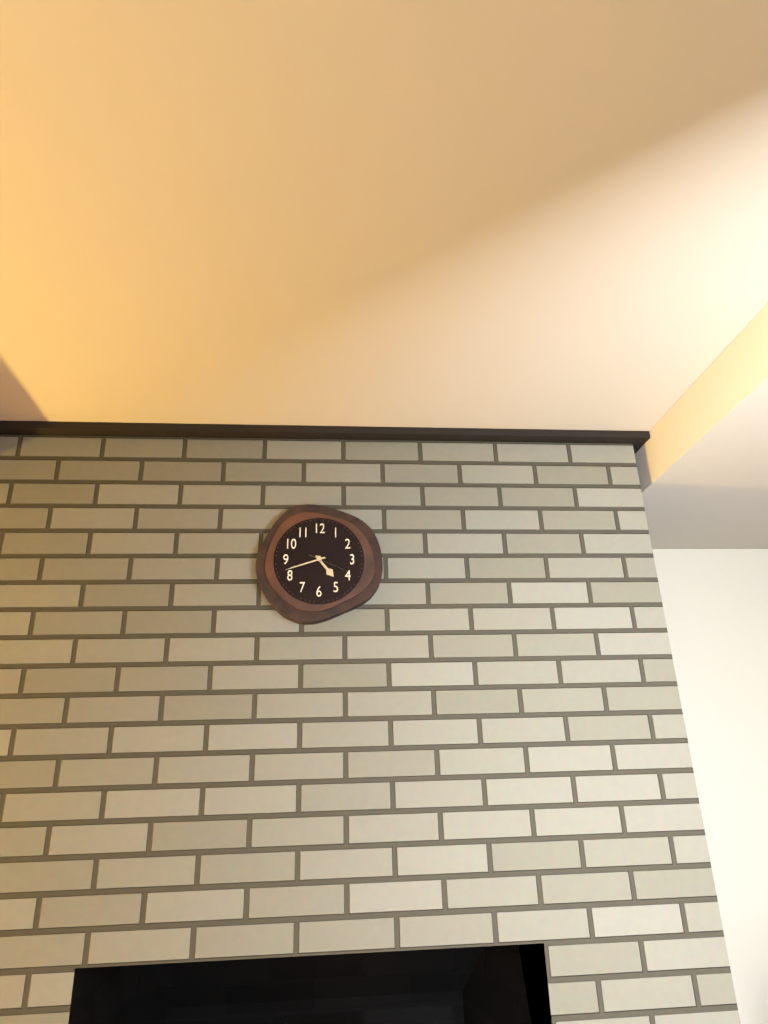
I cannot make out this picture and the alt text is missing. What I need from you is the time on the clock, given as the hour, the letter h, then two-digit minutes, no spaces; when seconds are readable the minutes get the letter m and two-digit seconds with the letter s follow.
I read 4h42
